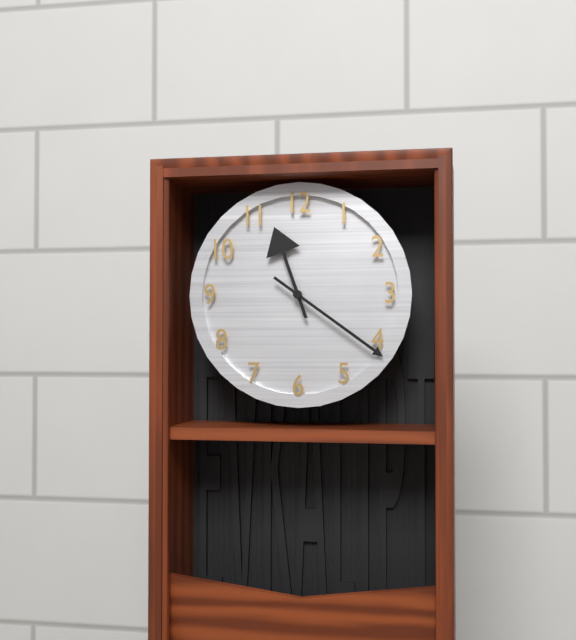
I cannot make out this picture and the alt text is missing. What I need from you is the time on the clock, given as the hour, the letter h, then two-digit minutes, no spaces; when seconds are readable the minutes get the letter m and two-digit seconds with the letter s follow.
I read 11h21
